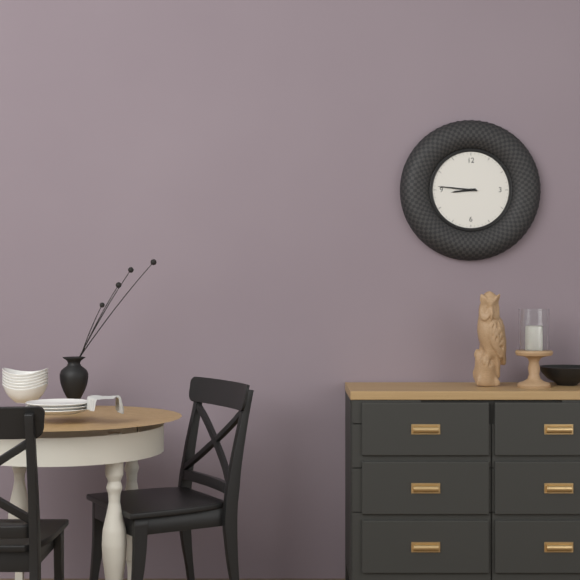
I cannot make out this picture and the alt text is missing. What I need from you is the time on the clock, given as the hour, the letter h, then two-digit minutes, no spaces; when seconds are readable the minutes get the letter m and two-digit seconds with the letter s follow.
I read 8h46
